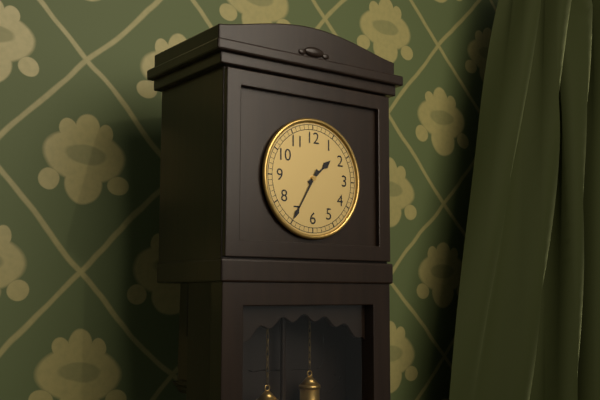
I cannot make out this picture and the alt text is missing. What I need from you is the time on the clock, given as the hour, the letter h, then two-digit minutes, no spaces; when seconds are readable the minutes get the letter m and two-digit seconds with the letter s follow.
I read 1h35
